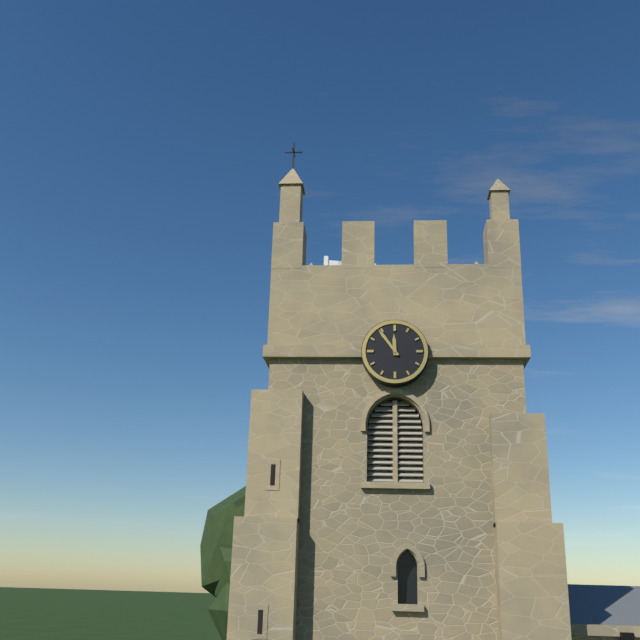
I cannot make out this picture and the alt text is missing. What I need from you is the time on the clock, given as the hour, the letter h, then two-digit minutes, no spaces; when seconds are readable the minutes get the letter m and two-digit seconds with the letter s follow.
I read 11h54
